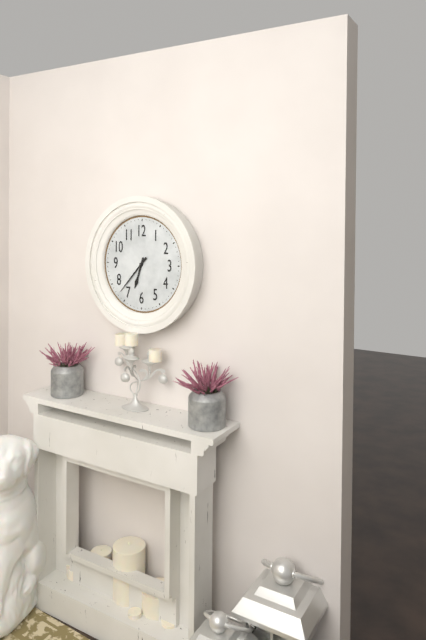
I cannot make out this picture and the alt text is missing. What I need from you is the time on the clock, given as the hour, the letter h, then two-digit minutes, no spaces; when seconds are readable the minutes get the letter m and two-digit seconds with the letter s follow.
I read 6h37
